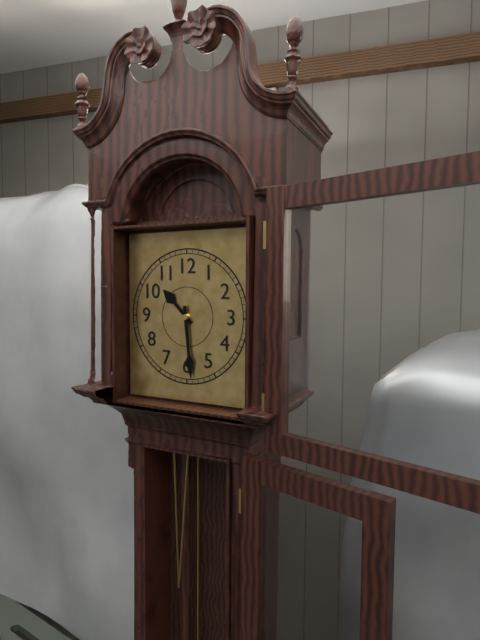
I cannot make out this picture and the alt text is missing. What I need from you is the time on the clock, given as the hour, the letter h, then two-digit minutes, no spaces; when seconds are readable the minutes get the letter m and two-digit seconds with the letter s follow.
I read 10h29
